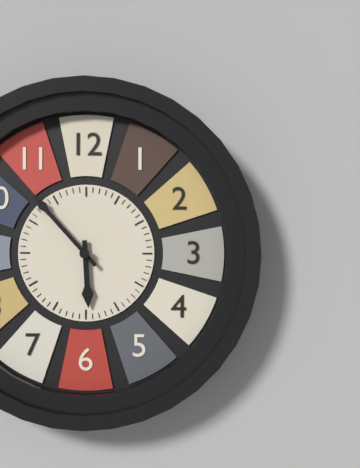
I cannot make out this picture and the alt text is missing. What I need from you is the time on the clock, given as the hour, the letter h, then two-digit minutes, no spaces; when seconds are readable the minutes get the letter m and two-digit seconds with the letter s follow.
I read 5h53
